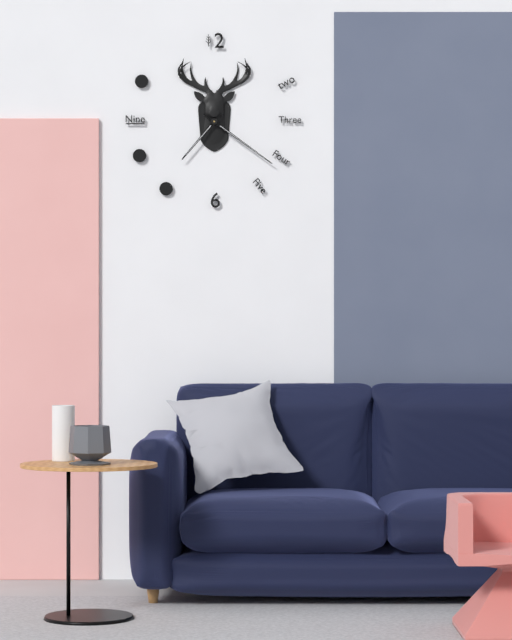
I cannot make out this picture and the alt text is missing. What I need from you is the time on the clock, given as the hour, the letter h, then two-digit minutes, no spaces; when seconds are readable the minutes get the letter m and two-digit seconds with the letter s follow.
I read 7h21
